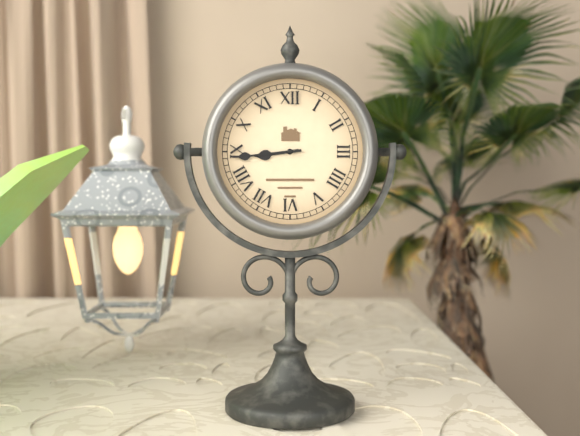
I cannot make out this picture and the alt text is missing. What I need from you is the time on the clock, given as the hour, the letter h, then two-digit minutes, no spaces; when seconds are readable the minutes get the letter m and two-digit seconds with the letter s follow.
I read 8h44
